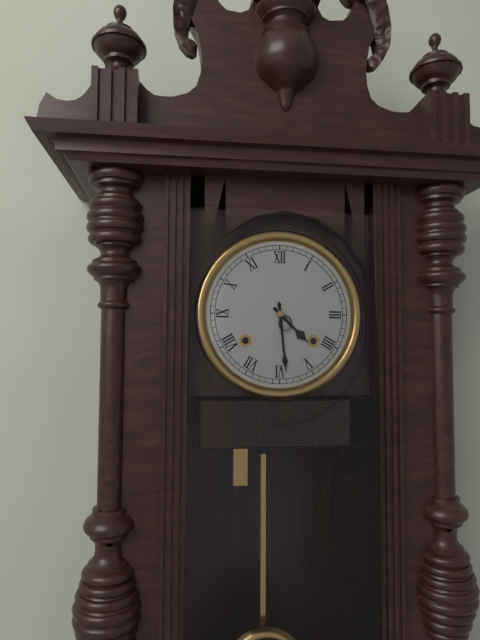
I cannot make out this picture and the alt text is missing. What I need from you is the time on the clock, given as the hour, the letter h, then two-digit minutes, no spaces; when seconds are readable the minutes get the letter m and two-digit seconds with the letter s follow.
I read 4h29
